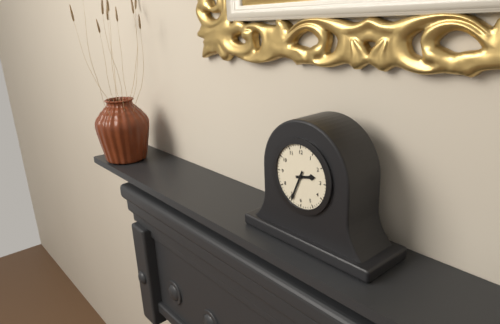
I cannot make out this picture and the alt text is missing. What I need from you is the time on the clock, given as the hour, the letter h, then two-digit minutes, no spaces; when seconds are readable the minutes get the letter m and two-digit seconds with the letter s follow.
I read 2h34
